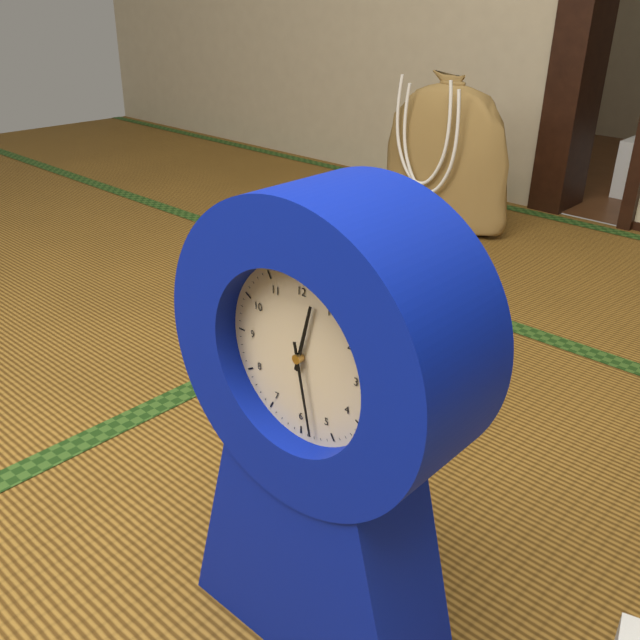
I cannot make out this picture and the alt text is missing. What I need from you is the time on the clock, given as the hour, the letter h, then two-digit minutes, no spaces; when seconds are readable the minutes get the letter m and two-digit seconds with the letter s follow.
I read 12h28
